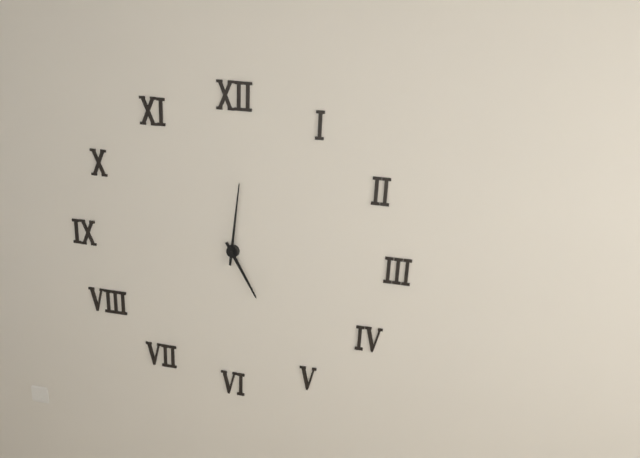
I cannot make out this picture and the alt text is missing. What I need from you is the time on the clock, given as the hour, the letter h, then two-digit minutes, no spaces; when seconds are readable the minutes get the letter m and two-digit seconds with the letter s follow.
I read 5h01
